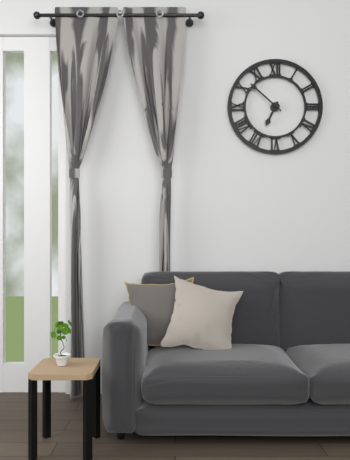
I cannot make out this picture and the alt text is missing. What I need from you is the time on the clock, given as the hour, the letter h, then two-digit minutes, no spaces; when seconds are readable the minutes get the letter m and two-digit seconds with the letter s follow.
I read 6h52
